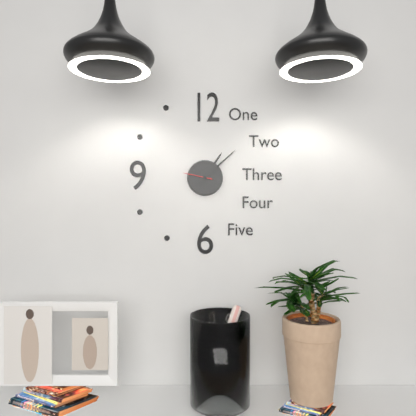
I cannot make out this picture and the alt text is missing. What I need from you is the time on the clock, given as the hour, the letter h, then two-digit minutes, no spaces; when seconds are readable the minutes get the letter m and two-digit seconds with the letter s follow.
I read 1h08
